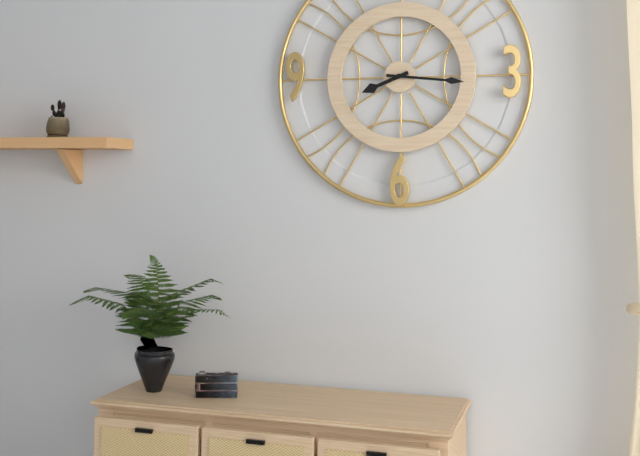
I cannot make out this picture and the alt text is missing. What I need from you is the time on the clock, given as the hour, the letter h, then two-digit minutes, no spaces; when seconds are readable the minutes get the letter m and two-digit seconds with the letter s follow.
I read 8h16
